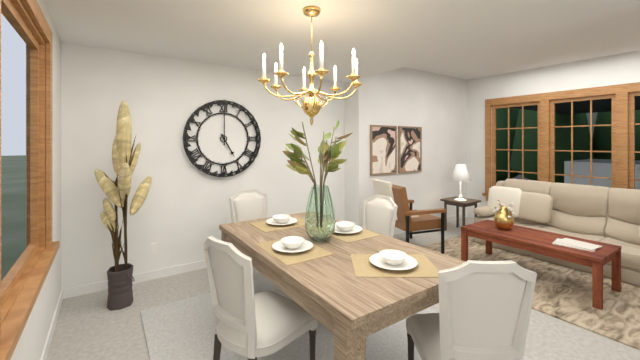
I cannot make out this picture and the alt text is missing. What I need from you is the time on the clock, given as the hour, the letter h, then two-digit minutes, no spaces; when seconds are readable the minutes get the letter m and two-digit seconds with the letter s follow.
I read 5h00
